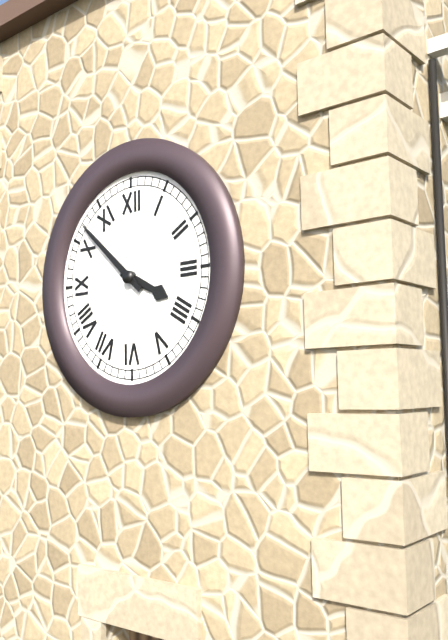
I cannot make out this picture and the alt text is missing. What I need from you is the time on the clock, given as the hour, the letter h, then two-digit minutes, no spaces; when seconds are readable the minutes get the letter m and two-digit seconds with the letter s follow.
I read 3h52
